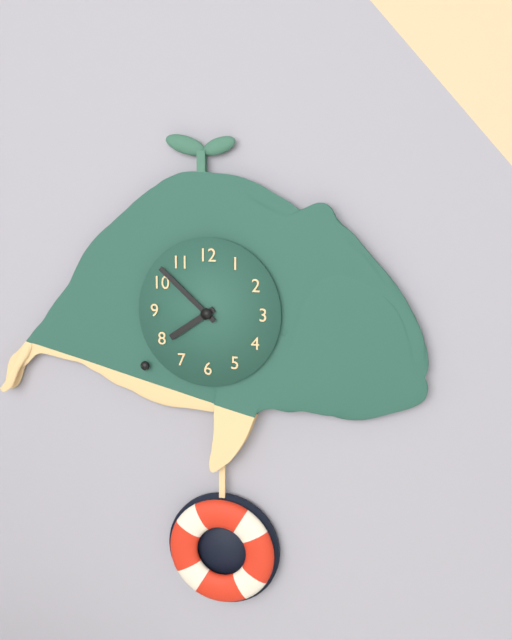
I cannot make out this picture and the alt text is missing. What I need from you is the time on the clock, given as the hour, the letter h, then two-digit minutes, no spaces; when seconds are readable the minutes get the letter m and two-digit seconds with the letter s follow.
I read 7h52
